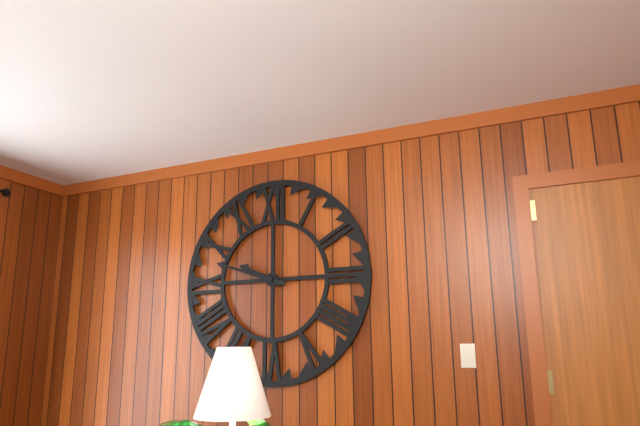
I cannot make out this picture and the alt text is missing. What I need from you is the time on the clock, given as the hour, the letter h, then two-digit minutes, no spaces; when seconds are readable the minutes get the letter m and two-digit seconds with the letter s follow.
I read 9h48
